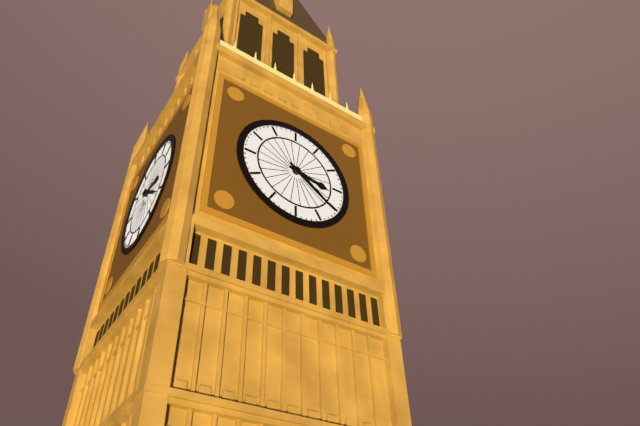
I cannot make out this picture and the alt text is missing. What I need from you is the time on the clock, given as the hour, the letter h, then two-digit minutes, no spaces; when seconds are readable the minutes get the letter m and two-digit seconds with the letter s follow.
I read 3h21
